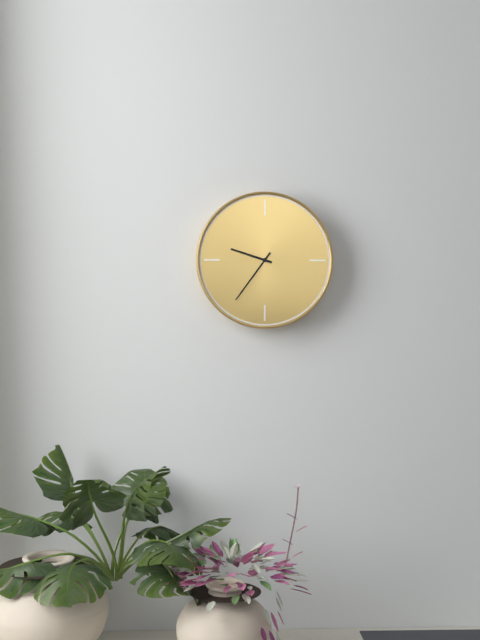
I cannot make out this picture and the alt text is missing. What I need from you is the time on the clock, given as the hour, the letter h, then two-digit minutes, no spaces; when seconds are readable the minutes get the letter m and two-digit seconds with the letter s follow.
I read 9h36
